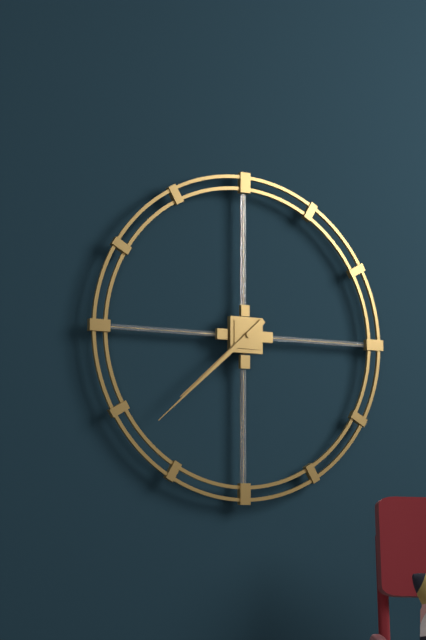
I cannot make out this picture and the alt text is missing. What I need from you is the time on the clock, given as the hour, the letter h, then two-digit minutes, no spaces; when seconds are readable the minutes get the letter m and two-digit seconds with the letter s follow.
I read 7h38
